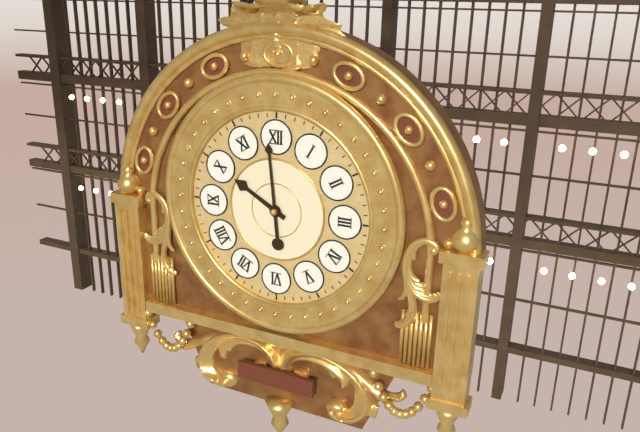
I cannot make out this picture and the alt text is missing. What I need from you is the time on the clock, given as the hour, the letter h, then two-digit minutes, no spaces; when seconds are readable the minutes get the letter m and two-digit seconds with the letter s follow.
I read 9h59
